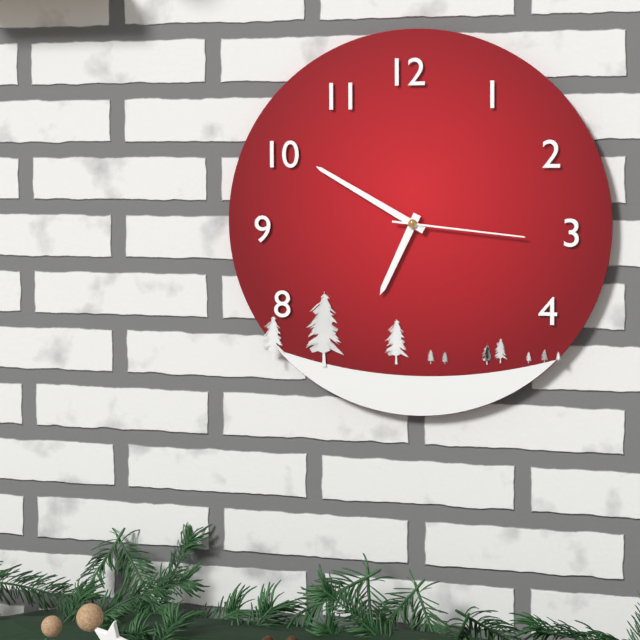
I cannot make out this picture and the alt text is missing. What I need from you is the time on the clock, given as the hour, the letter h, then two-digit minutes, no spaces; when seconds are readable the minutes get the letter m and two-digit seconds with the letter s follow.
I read 6h50m16s
